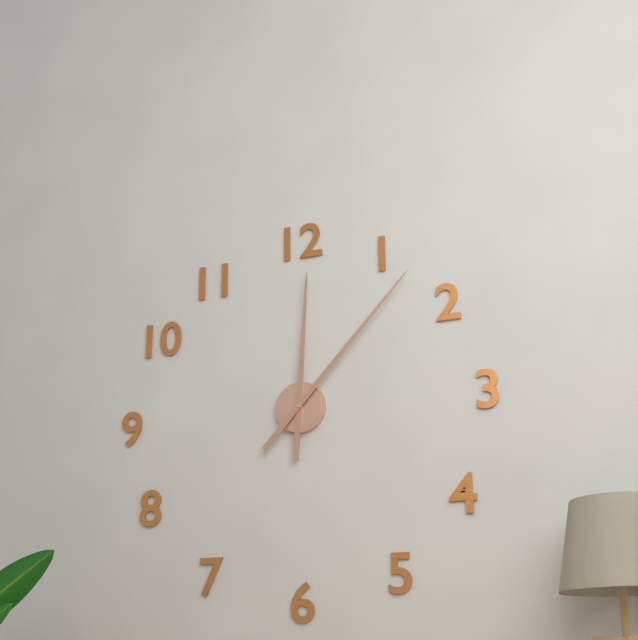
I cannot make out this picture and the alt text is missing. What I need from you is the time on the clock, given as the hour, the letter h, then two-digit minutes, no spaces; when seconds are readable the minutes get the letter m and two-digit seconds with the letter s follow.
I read 12h07
